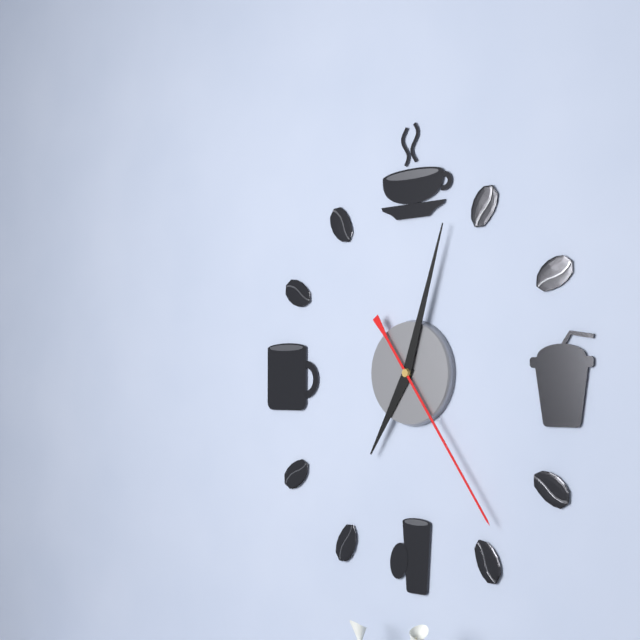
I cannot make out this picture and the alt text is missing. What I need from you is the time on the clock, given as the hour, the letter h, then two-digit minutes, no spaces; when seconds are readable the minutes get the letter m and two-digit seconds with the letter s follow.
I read 7h03m24s
